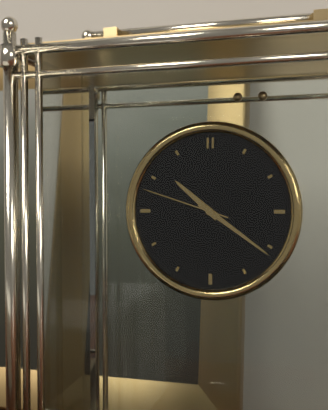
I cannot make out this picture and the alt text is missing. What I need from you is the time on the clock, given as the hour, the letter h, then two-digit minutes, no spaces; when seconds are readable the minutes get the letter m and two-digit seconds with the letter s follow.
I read 10h21m48s
